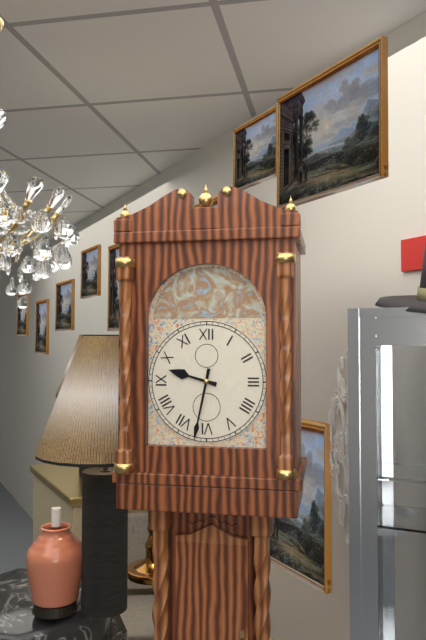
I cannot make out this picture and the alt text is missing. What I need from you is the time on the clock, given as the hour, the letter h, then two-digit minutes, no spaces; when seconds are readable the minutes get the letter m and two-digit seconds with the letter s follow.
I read 9h32
